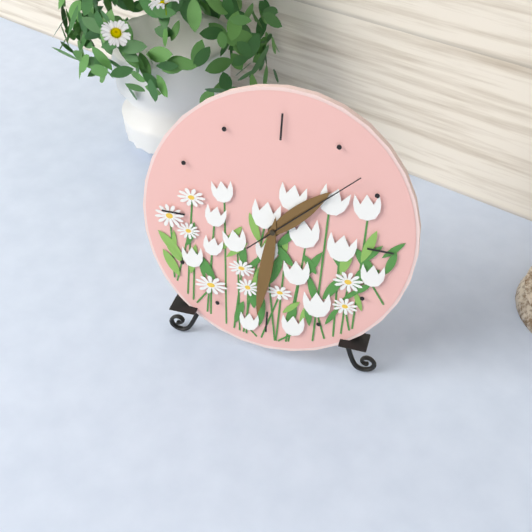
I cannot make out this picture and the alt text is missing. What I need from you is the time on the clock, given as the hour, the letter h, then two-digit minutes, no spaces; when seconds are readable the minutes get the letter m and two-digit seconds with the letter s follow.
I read 1h31m08s
